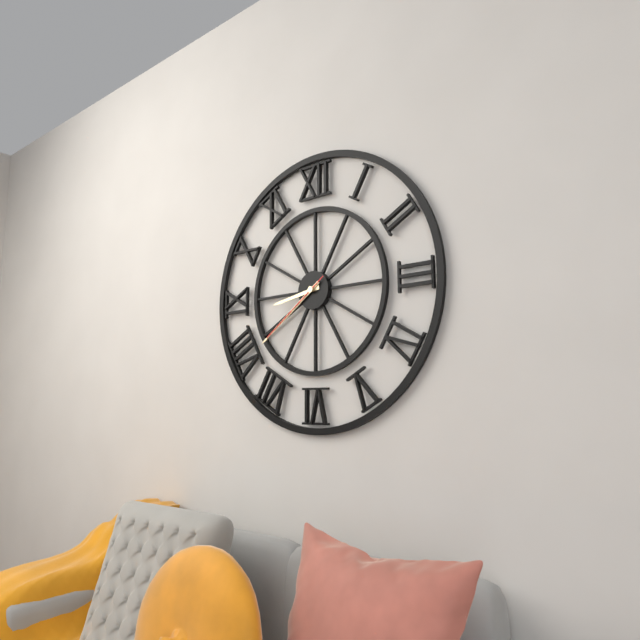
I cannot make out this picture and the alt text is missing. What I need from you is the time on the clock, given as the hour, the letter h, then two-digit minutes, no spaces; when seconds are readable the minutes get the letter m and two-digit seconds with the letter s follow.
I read 8h39m39s
